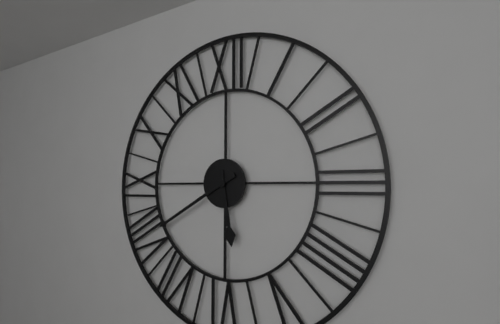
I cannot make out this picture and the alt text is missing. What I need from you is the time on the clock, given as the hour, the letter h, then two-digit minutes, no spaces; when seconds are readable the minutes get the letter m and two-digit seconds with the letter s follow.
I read 5h40
